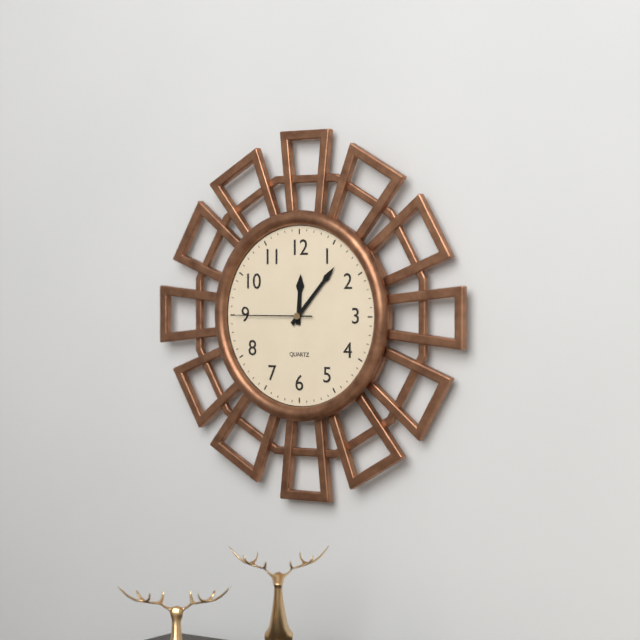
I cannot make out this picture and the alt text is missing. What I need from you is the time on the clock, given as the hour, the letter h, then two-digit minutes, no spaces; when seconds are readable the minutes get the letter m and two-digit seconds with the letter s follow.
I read 12h07m45s
